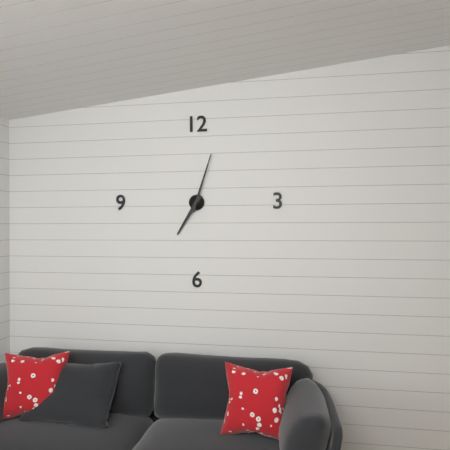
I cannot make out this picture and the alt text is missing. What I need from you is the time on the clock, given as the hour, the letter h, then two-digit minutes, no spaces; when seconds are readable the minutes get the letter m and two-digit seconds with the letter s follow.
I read 7h03
